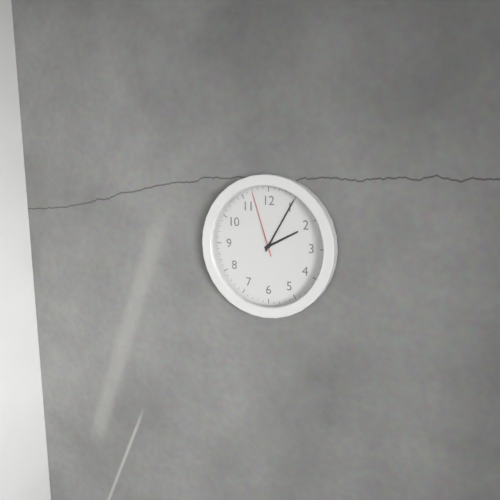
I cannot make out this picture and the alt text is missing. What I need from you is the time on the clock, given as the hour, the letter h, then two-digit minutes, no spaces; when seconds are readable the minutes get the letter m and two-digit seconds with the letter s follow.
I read 2h05m57s
